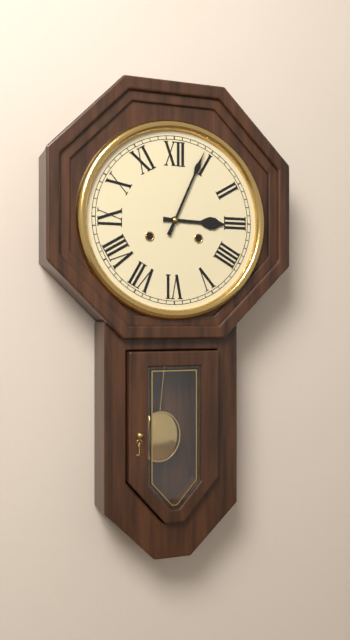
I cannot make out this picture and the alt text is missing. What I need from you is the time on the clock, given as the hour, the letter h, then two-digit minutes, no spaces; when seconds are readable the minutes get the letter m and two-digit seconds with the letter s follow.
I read 3h04
